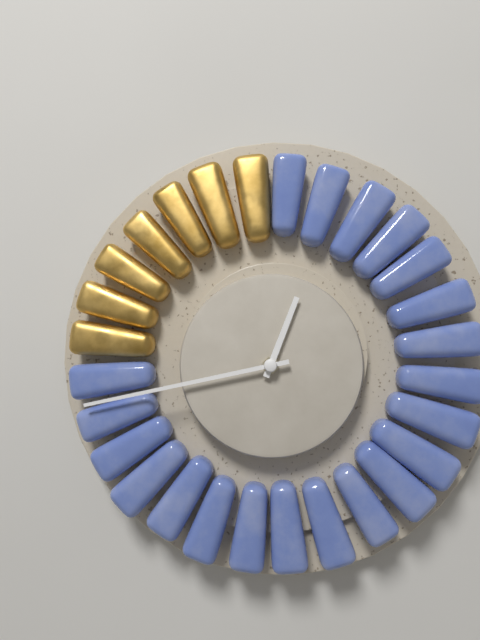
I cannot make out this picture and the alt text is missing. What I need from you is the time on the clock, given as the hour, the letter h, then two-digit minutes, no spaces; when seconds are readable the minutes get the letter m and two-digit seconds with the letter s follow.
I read 12h43
